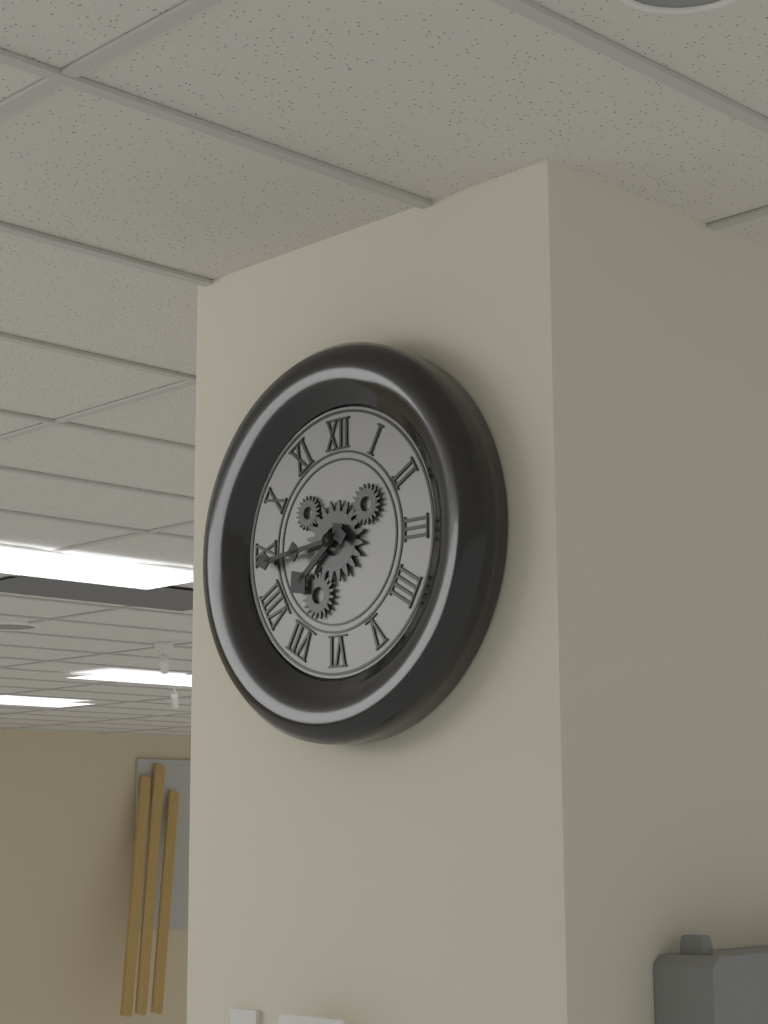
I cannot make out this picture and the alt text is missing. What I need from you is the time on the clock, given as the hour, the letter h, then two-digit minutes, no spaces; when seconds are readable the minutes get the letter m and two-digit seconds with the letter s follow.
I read 7h44
